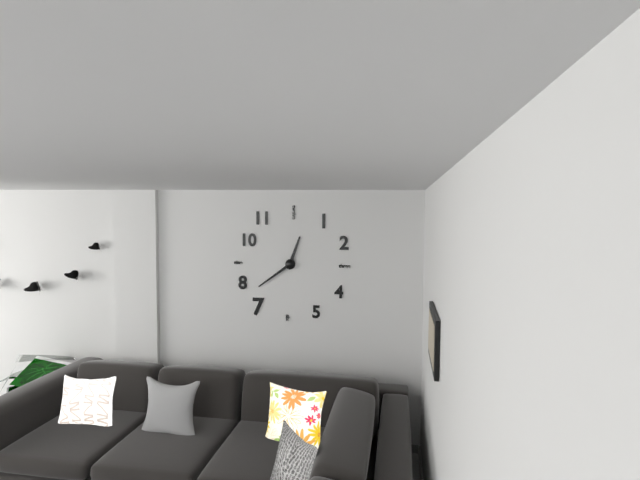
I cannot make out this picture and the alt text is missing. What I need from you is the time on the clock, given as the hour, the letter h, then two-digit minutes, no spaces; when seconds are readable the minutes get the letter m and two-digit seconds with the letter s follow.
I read 12h39
